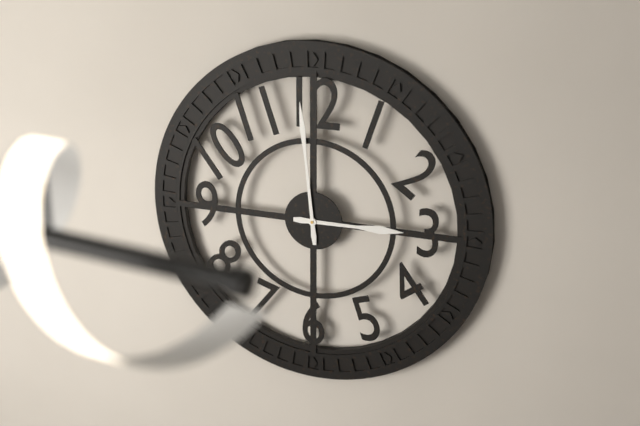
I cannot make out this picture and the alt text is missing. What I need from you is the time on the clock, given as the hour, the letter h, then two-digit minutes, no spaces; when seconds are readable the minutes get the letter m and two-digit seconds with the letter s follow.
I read 2h59
